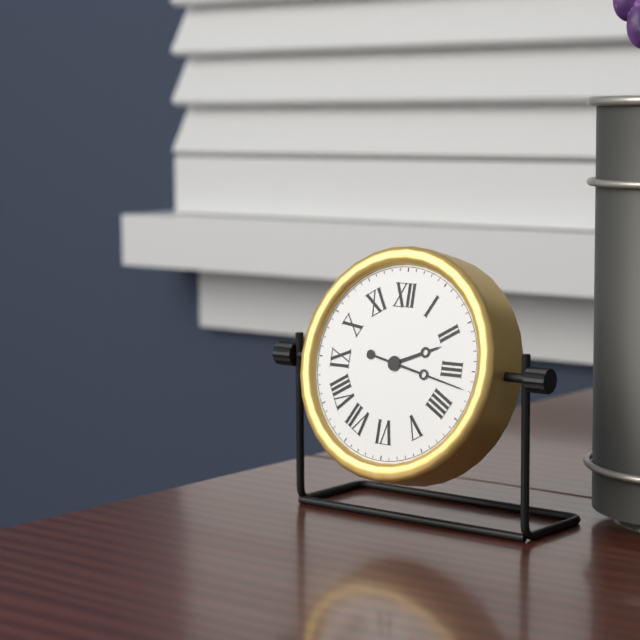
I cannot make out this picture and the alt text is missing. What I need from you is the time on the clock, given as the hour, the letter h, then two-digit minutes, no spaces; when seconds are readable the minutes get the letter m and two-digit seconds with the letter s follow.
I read 2h17
